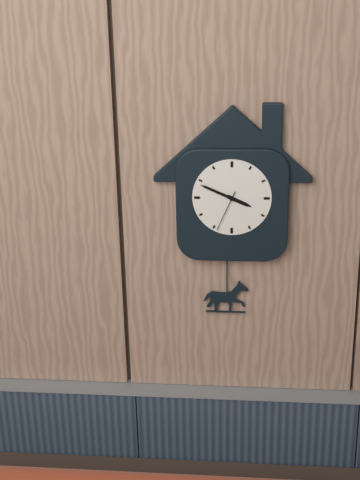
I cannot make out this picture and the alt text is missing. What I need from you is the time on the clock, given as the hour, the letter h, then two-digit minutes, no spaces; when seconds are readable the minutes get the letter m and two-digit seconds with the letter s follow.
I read 3h49
